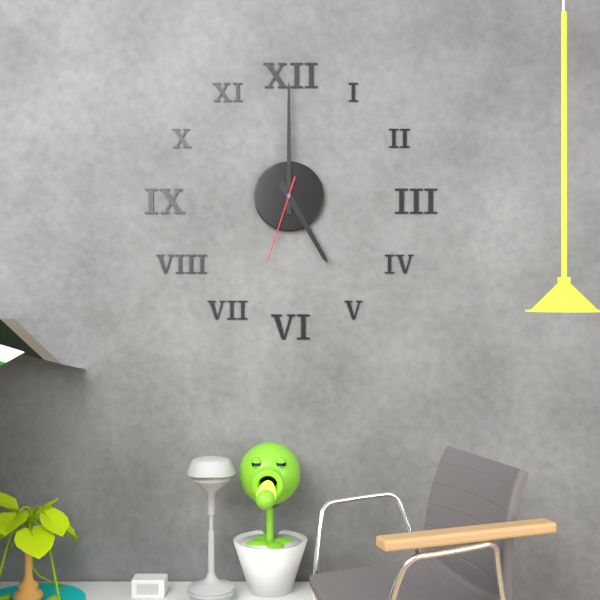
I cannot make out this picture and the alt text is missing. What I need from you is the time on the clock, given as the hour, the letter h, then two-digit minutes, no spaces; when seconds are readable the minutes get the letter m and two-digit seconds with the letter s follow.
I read 5h00m33s
